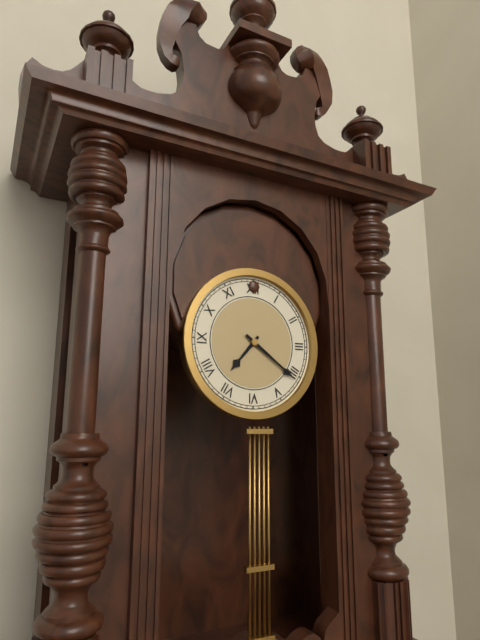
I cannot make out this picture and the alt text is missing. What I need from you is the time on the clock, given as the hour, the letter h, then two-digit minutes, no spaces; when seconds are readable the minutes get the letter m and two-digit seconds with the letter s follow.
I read 7h21
